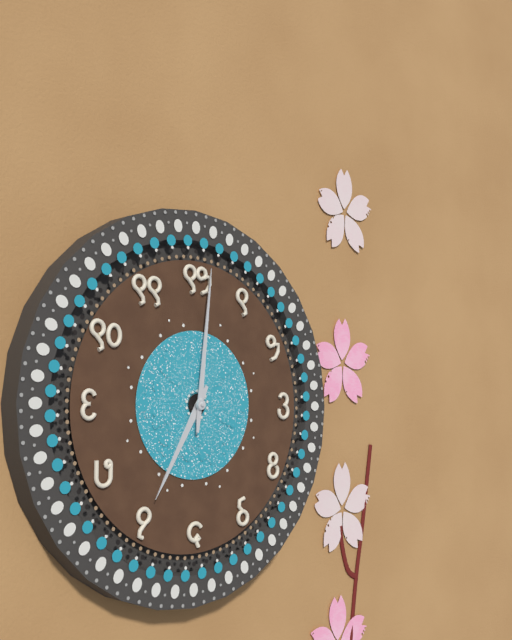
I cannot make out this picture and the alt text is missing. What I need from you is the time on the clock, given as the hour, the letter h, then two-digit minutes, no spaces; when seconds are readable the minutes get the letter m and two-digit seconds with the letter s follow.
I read 7h01
